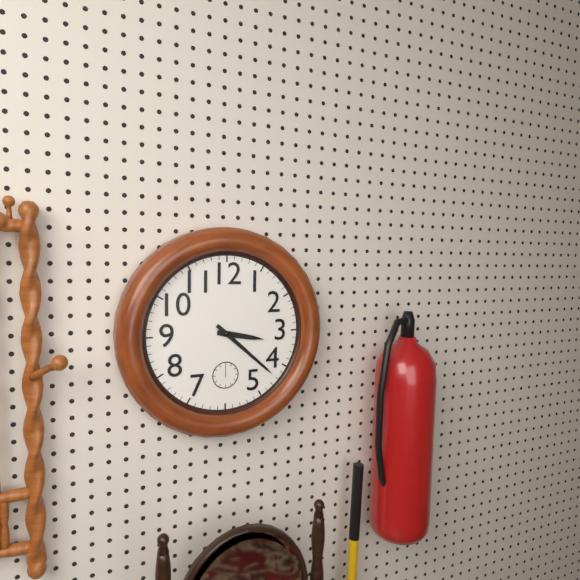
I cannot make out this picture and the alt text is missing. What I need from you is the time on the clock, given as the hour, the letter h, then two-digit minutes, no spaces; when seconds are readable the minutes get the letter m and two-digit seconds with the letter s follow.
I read 3h22
